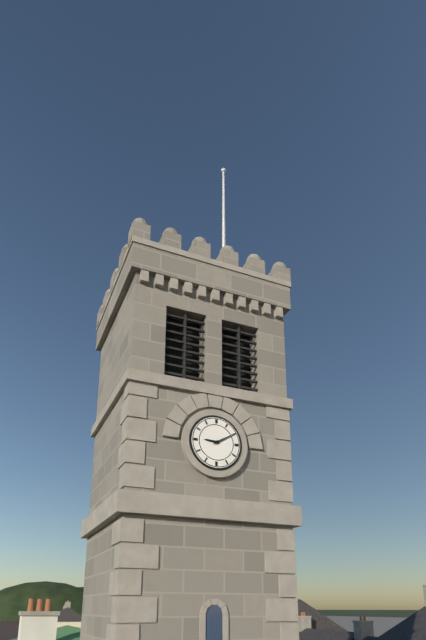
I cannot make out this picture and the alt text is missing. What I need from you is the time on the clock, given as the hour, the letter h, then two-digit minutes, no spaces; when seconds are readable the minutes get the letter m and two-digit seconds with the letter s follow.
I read 9h10
